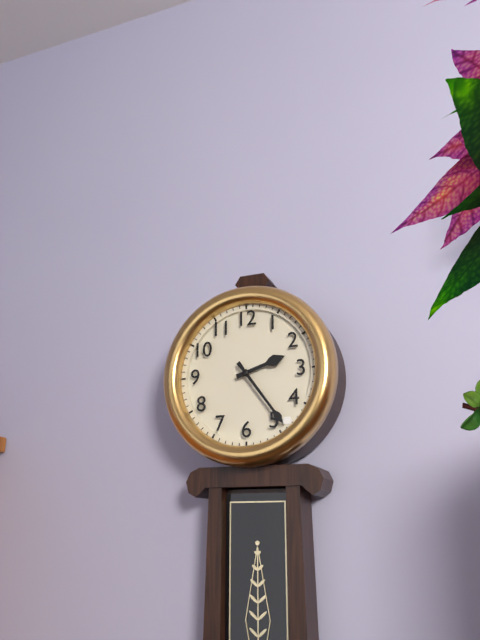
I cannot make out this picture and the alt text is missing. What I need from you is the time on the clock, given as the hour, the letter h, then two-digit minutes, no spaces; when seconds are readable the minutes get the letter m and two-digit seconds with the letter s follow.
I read 2h24
